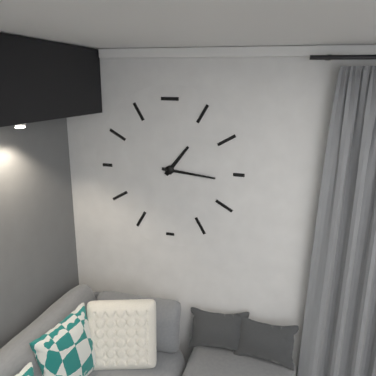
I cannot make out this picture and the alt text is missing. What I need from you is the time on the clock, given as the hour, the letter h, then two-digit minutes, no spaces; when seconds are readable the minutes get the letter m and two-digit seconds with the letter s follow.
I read 1h16
